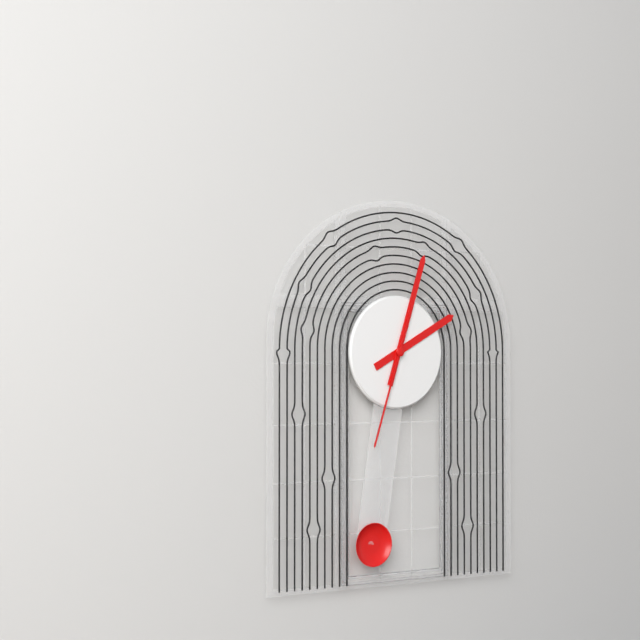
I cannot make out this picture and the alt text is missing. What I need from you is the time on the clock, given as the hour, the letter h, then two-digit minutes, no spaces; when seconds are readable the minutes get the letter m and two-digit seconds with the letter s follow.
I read 2h03m33s
